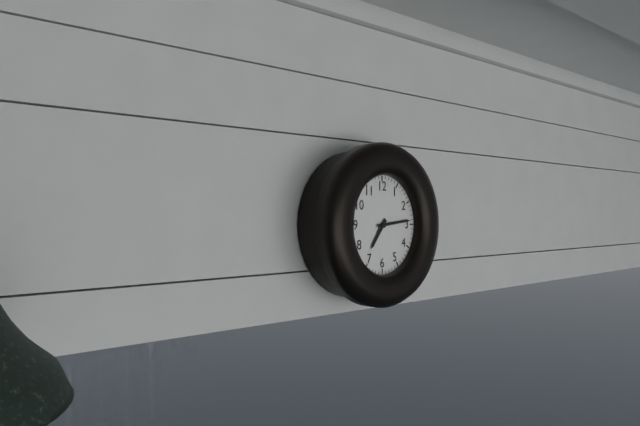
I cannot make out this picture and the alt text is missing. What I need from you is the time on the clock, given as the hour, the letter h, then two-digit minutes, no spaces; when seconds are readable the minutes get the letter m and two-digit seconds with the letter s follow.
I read 7h14
